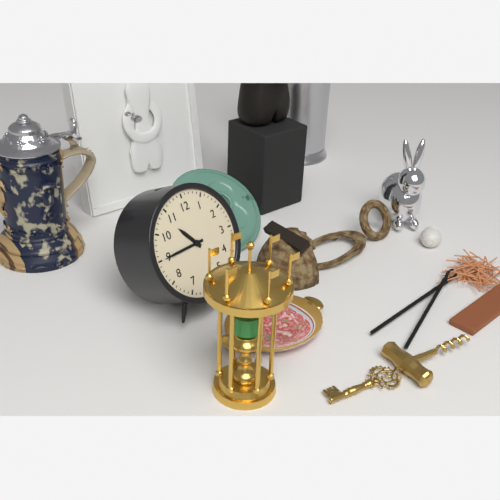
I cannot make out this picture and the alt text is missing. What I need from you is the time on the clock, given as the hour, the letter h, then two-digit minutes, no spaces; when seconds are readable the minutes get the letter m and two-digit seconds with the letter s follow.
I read 10h45
